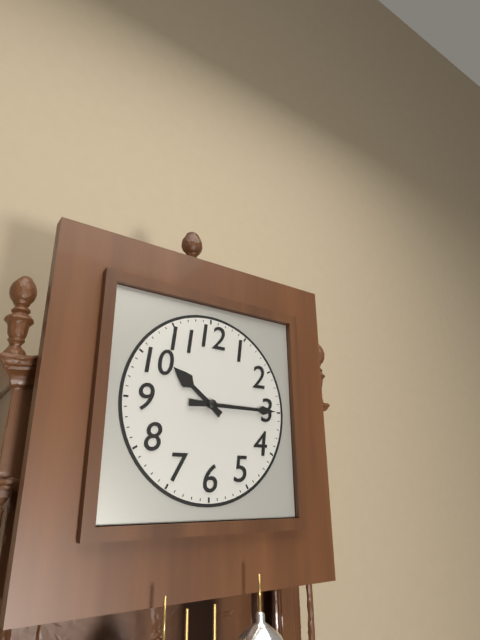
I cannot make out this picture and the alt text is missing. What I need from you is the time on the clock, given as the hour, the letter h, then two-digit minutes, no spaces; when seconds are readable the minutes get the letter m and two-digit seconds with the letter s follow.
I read 10h15
